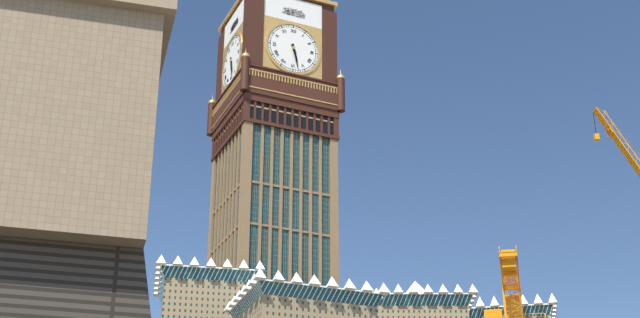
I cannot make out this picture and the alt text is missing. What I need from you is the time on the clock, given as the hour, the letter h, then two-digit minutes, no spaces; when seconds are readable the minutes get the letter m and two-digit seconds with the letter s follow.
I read 5h28
